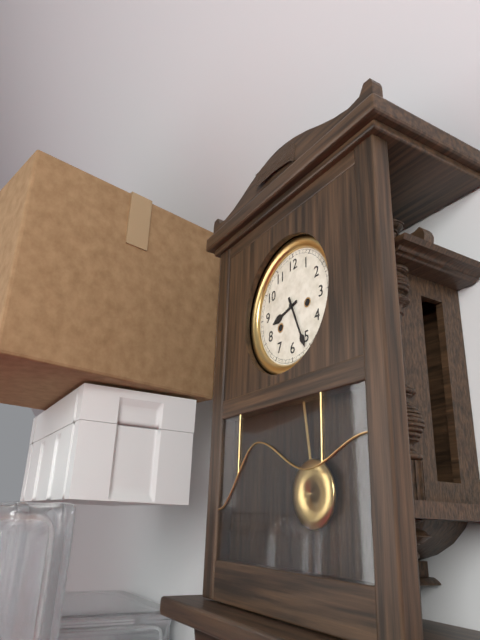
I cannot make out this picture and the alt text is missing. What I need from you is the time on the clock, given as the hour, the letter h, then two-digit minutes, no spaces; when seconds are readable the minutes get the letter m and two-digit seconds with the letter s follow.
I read 8h26
